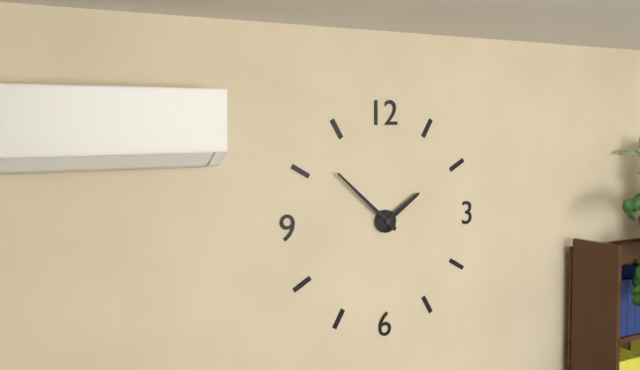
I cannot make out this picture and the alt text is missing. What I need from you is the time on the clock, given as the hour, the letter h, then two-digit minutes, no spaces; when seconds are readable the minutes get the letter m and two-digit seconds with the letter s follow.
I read 1h52
